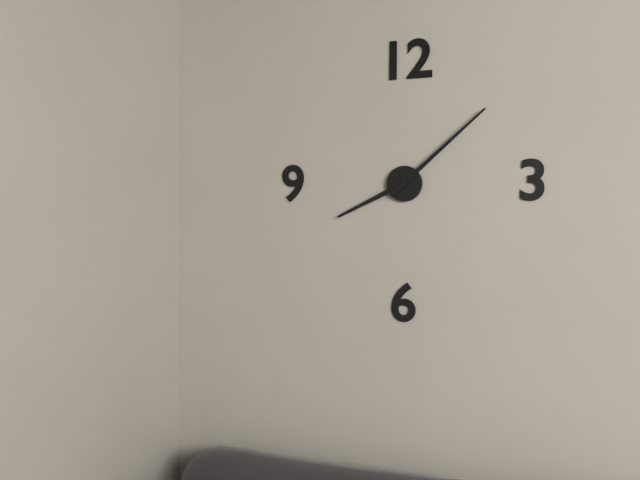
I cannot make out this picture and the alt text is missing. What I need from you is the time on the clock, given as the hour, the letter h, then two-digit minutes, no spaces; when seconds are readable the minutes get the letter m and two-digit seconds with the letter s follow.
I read 8h08
